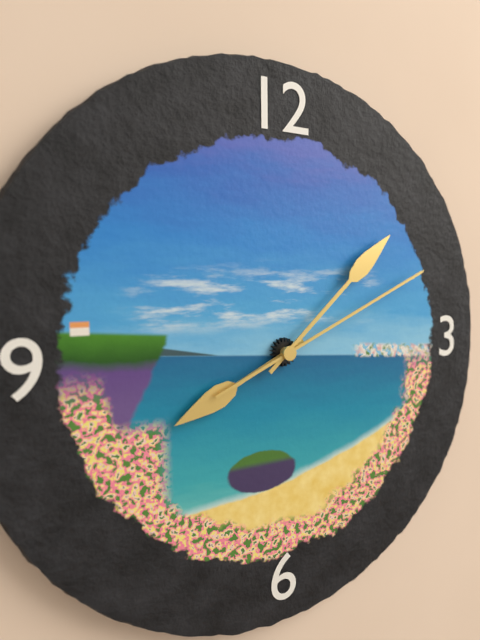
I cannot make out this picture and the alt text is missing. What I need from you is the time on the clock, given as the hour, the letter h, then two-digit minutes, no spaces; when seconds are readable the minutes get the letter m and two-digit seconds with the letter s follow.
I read 8h08m11s
